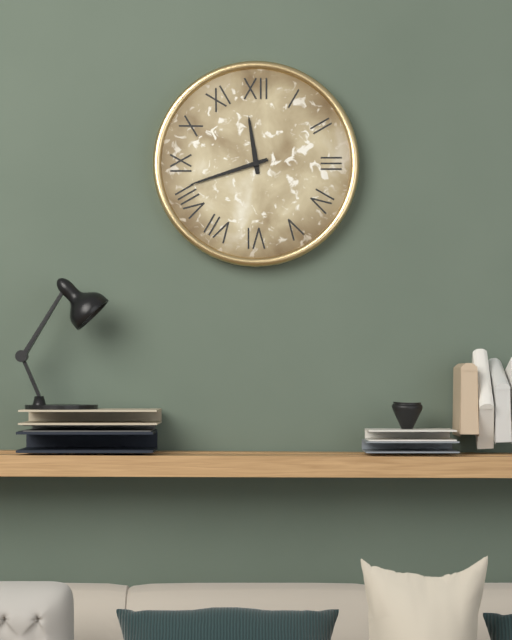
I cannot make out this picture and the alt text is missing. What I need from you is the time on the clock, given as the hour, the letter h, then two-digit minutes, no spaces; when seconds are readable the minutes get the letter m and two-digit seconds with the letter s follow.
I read 11h42
